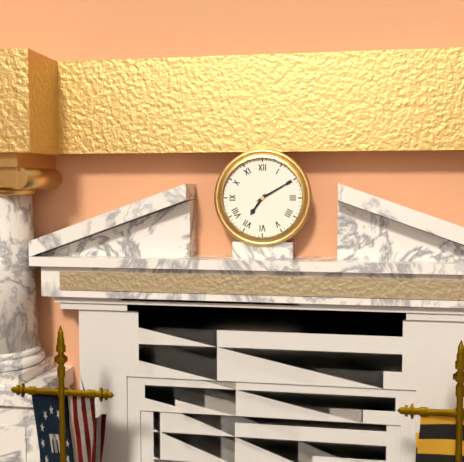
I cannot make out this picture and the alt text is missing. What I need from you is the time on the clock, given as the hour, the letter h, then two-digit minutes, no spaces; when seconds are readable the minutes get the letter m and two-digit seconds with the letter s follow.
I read 7h10
